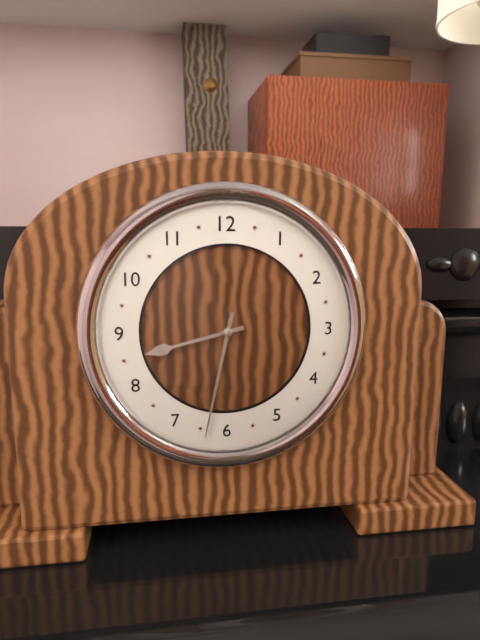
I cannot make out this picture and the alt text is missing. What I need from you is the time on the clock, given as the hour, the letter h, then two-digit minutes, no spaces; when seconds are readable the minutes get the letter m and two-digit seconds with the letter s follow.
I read 8h32
